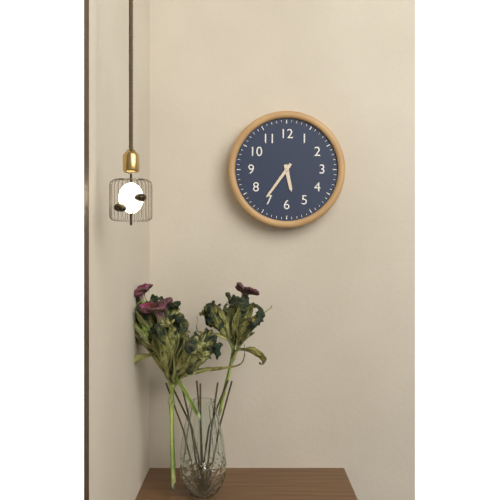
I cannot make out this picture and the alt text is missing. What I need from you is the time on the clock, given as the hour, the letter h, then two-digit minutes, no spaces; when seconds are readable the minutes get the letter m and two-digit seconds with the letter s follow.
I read 5h36
